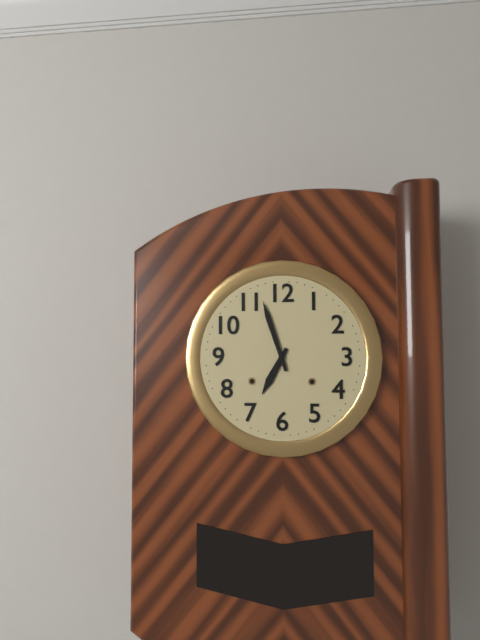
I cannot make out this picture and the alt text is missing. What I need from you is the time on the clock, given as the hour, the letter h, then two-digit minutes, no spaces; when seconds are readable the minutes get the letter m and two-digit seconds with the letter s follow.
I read 6h57
